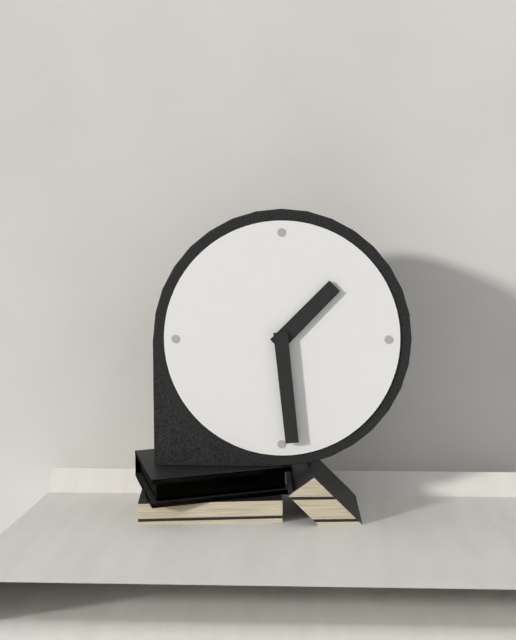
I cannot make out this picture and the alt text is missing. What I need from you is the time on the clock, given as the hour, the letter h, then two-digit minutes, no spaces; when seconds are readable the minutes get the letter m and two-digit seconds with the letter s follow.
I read 1h29
